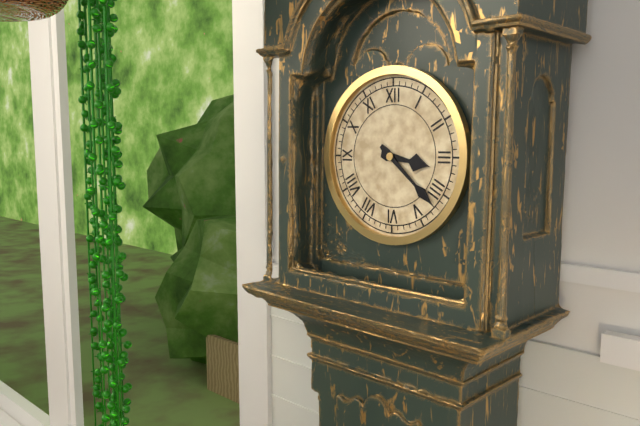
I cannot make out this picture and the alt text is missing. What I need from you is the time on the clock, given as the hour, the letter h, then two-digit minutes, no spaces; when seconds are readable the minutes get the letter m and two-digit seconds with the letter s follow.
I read 3h22
